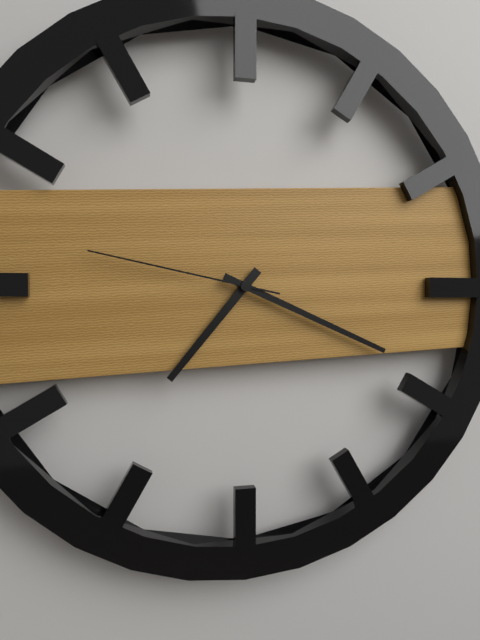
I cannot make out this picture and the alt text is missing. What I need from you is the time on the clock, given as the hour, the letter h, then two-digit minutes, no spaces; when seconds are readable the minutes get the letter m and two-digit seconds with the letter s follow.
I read 7h19m47s
